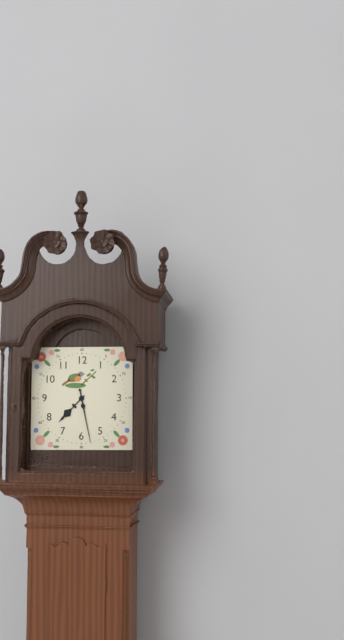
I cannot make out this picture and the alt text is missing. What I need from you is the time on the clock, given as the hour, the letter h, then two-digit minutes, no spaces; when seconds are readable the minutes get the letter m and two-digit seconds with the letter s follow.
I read 7h28
